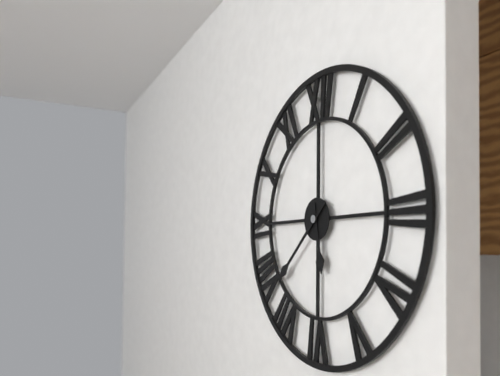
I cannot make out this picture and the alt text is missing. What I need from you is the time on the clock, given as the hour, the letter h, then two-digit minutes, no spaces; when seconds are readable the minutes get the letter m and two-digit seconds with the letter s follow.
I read 5h38
